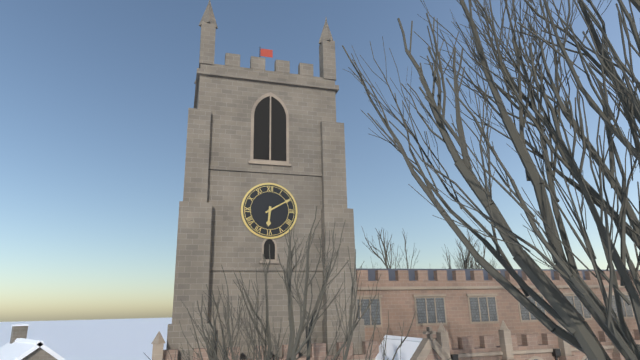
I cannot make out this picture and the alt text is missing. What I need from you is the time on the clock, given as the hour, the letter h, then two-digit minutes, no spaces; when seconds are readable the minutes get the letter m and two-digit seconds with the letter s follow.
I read 6h10
